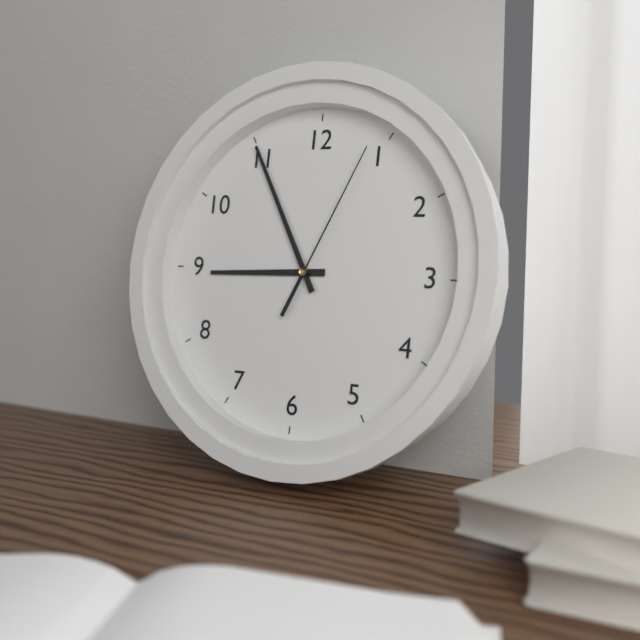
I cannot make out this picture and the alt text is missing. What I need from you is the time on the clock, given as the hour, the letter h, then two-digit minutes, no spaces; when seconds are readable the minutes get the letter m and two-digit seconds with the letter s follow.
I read 8h55m04s
